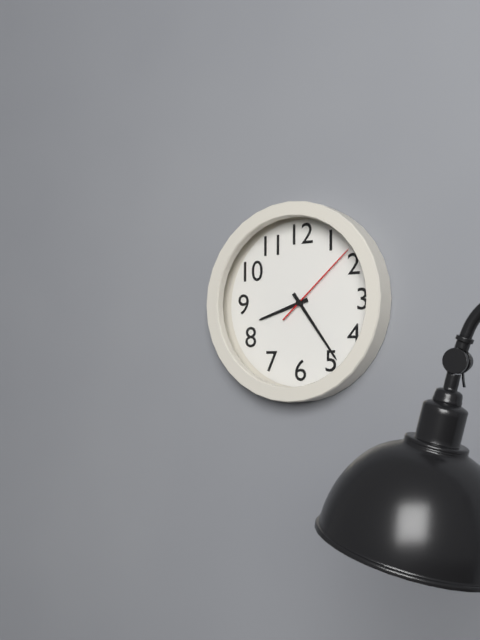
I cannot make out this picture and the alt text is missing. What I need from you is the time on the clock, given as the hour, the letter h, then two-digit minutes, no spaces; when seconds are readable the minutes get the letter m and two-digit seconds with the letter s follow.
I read 8h24m08s
